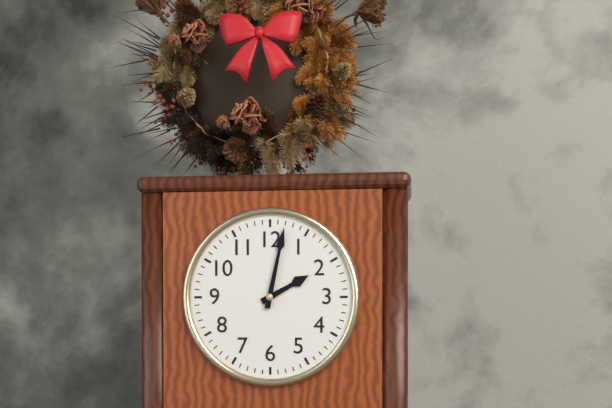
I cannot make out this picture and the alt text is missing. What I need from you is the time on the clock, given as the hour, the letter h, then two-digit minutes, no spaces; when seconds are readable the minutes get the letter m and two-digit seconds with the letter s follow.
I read 2h02
